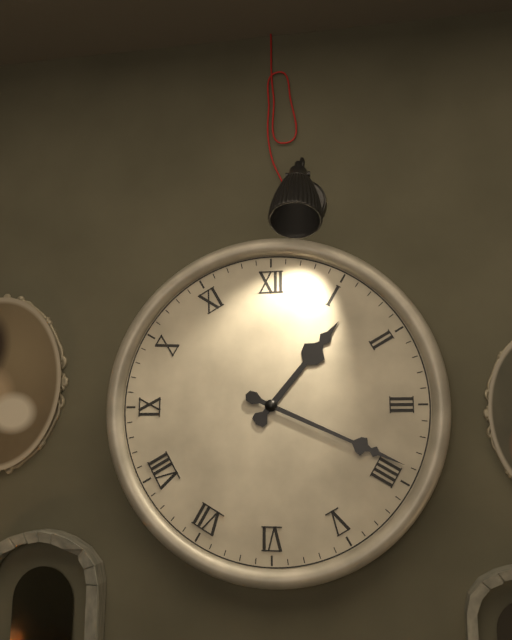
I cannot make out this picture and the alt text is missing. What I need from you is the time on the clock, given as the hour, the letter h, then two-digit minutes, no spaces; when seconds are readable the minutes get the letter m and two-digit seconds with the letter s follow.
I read 1h19
